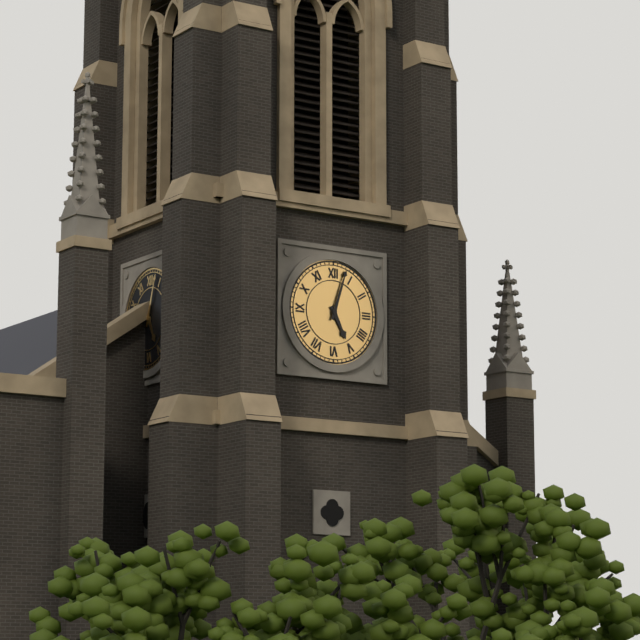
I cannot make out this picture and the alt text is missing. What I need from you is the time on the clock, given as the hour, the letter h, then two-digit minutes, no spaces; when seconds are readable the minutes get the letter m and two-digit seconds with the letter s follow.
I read 5h03
